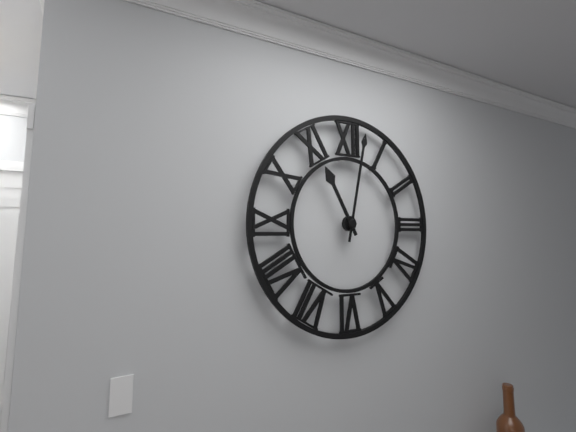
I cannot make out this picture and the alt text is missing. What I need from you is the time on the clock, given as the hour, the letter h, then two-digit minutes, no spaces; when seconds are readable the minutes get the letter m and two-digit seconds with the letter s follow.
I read 11h02
